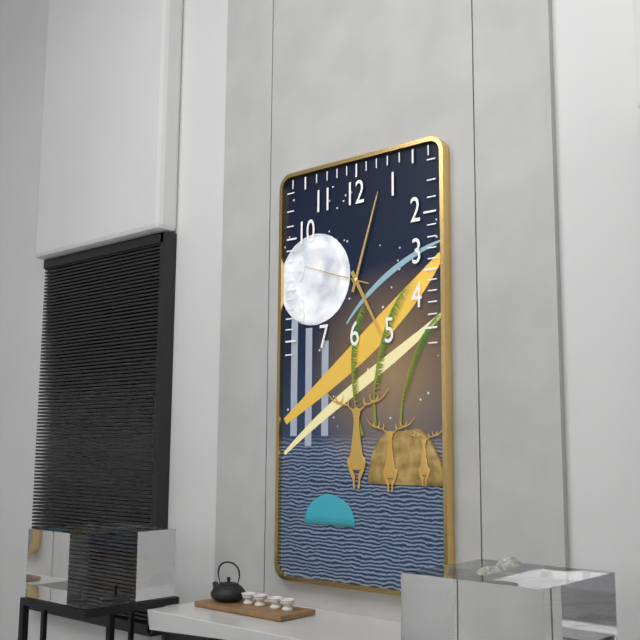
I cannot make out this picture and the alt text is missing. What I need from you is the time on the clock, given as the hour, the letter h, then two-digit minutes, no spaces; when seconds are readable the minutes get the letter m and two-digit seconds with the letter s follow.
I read 5h03m48s
